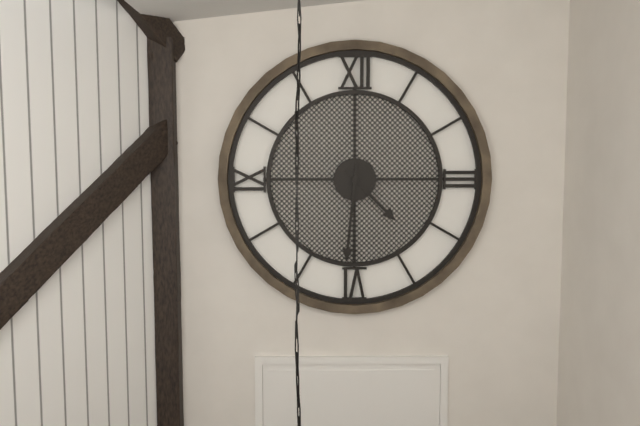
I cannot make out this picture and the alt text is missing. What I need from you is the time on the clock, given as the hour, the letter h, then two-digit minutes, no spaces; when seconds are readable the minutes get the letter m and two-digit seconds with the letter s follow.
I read 4h31
